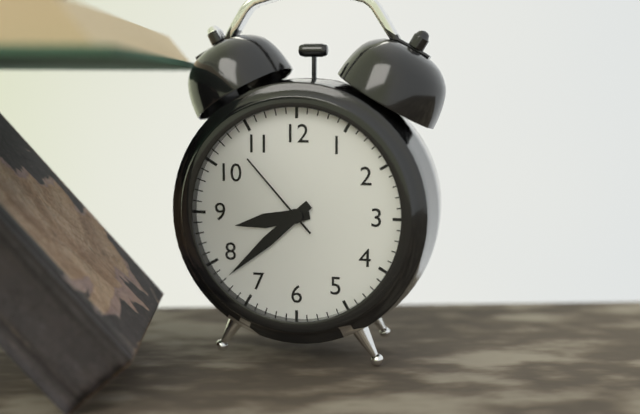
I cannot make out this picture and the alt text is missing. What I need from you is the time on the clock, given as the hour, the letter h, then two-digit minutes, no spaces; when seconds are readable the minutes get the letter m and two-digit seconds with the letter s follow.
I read 8h38m53s
